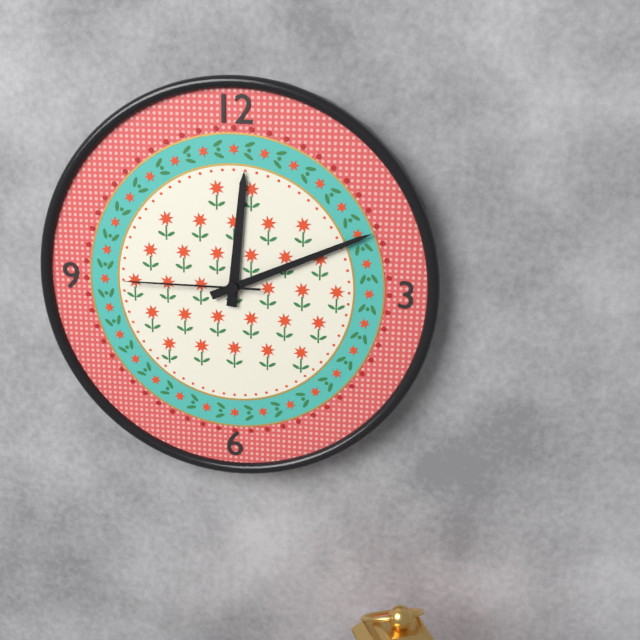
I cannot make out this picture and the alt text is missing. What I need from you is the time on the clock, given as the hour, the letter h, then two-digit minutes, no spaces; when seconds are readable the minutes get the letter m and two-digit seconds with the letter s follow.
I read 12h11m45s
